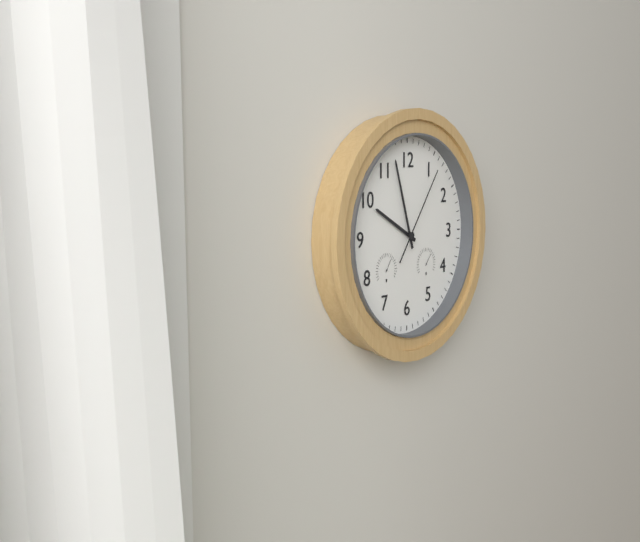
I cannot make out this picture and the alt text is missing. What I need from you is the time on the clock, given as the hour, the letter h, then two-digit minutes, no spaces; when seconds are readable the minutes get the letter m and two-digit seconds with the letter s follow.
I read 9h57m06s
